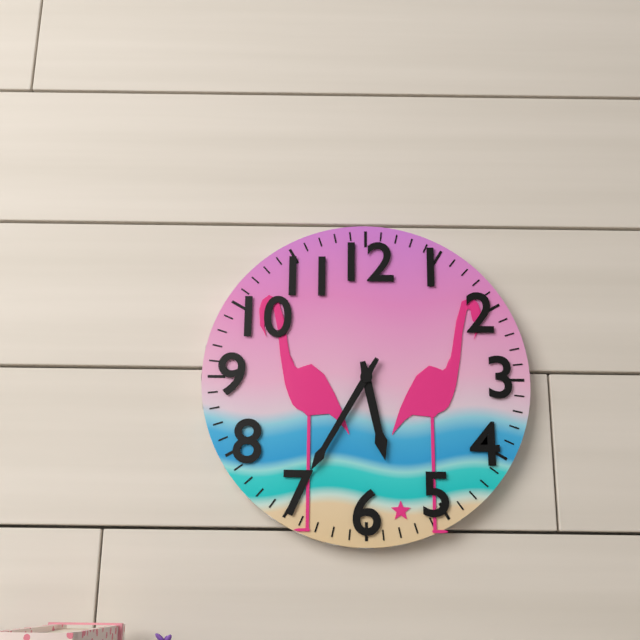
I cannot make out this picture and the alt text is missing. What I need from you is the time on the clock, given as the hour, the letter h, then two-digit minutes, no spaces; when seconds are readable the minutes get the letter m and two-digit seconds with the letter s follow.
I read 5h35
